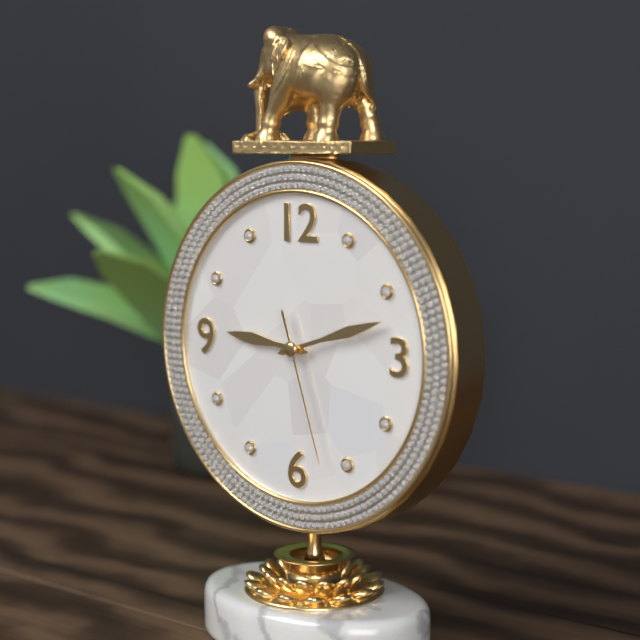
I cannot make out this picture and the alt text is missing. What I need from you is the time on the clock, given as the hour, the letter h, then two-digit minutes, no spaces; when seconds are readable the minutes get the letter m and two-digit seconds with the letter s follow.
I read 9h12m27s
